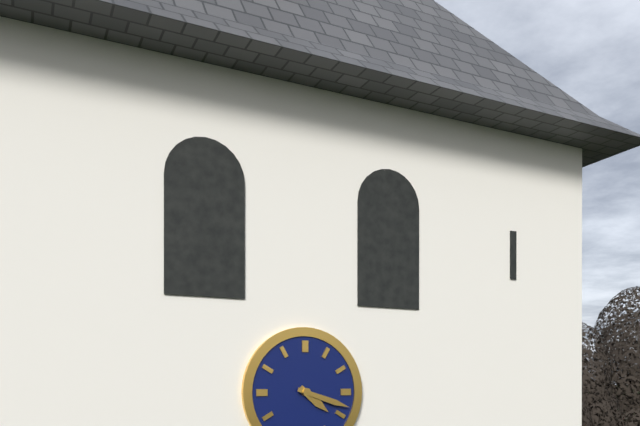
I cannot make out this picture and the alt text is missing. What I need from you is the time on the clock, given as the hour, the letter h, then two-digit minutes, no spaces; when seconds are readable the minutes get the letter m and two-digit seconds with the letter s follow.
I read 4h18
